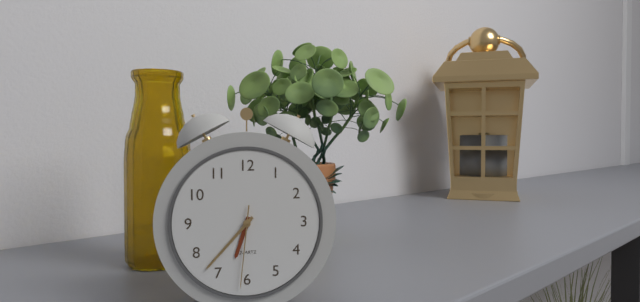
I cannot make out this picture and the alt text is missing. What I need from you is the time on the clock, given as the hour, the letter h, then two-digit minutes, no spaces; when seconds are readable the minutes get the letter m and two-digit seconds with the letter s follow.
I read 6h37m31s
